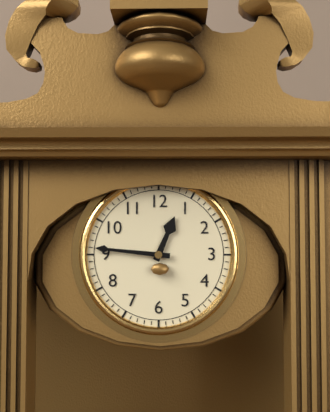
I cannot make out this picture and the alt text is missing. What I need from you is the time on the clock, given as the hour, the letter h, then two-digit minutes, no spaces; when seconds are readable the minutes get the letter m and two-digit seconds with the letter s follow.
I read 12h46
